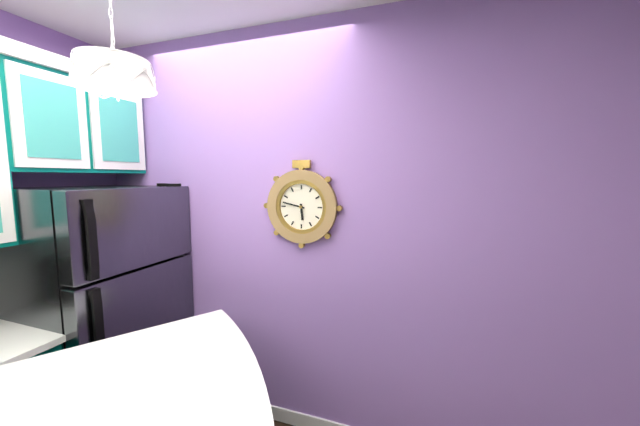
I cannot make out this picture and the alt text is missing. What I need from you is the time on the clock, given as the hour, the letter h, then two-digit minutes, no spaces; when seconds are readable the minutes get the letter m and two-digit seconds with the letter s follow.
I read 5h47
